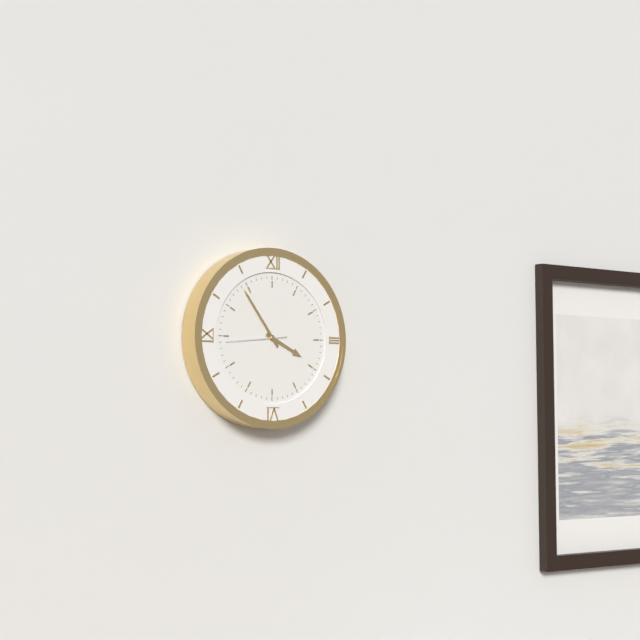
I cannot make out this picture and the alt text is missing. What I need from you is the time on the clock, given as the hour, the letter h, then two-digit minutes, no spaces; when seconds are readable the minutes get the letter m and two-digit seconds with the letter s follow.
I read 3h54m44s
